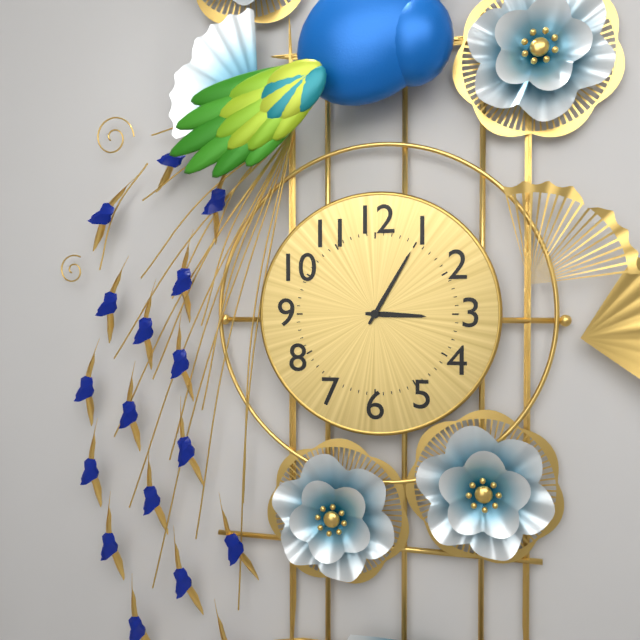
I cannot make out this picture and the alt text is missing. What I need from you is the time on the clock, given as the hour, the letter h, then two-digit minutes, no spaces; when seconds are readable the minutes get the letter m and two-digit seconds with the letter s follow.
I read 3h05
